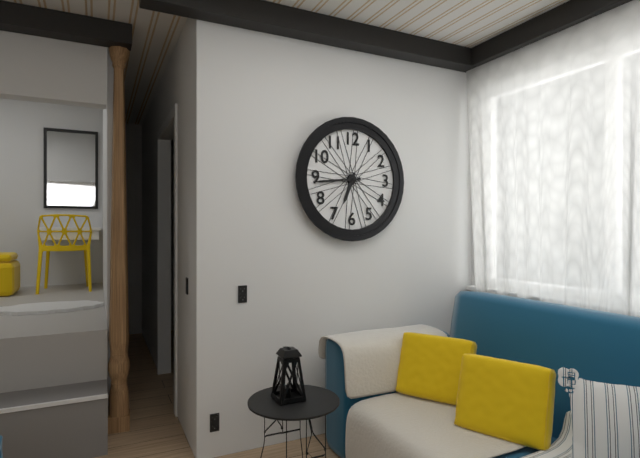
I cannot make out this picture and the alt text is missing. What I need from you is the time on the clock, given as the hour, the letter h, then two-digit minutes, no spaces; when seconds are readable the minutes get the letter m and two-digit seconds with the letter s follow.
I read 6h44
